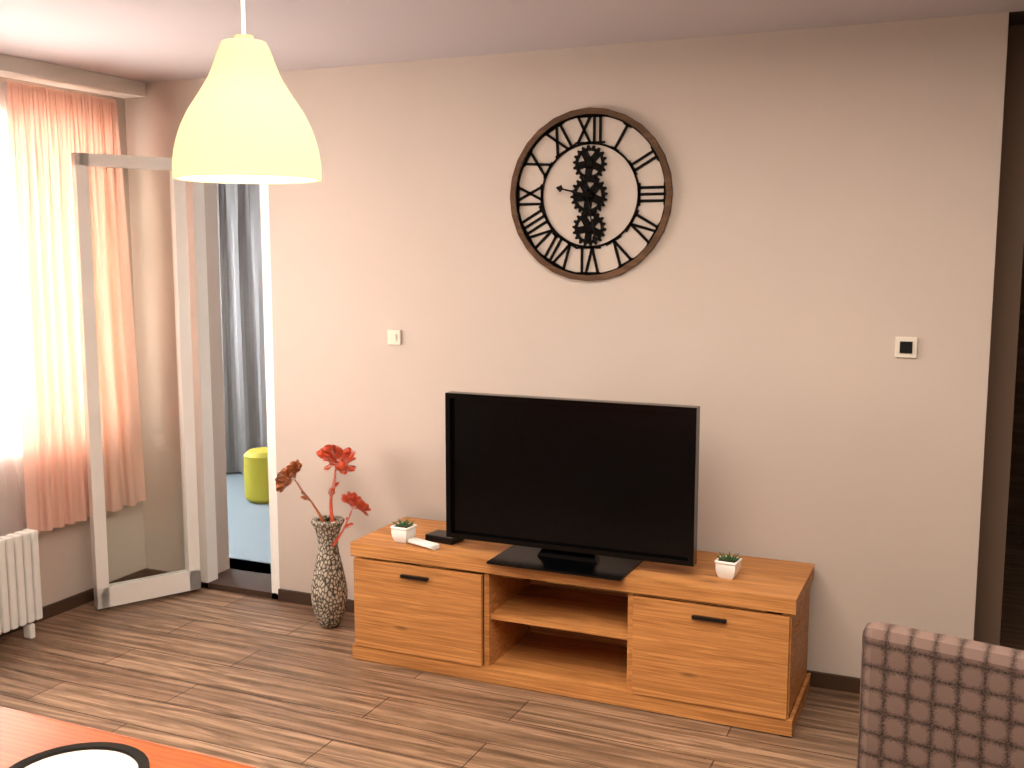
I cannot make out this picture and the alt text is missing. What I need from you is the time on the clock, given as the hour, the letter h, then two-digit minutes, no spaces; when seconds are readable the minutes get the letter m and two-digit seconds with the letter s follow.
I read 9h28
